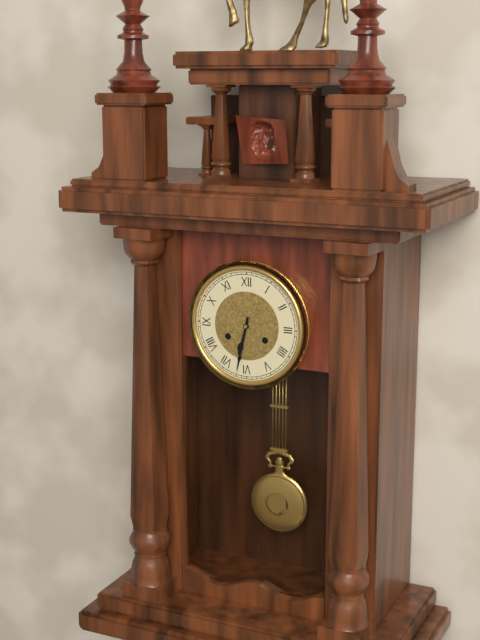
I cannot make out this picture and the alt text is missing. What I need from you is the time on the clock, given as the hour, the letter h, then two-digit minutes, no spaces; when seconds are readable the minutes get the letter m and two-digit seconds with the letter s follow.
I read 6h32
